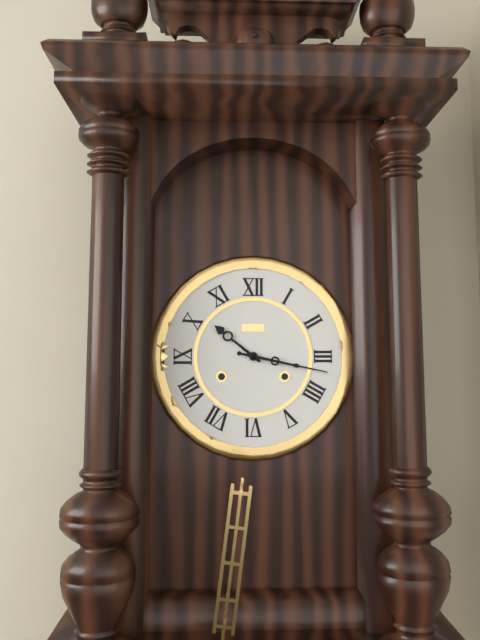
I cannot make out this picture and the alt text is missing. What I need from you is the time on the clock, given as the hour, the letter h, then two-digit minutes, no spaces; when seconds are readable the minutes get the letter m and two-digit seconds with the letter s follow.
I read 10h17
